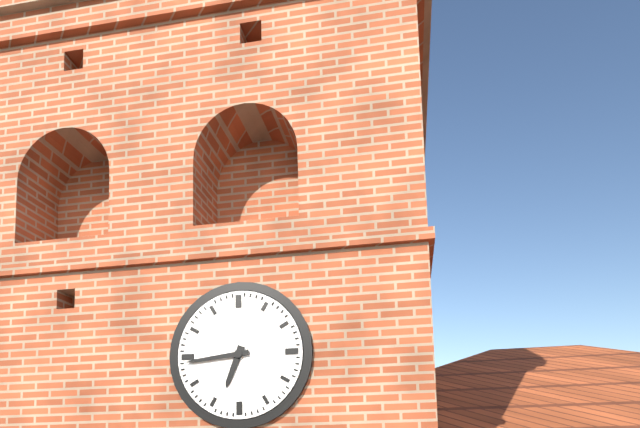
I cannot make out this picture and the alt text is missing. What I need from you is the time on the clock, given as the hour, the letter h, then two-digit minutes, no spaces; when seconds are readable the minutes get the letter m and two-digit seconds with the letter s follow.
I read 6h44
